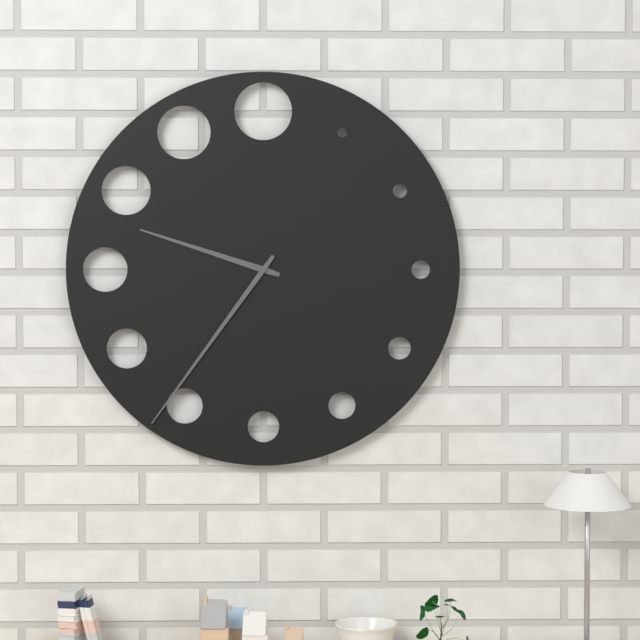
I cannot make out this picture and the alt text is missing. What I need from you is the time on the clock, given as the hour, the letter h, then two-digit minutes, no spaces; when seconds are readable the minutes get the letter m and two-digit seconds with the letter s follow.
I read 9h36
